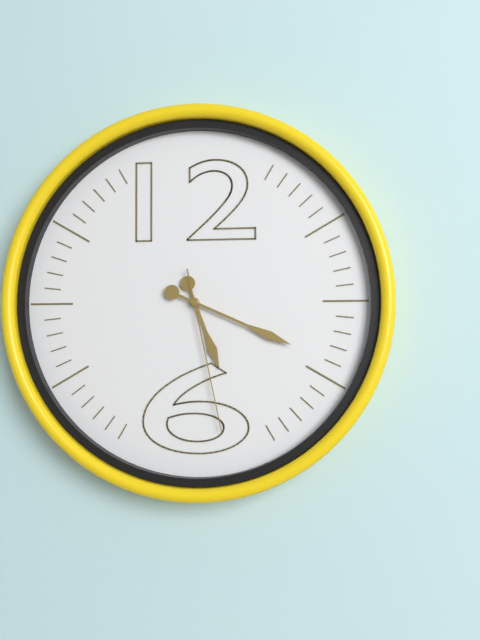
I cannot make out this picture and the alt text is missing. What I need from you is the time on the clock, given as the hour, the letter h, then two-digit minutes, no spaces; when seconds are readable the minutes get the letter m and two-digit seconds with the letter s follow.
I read 5h19m28s
